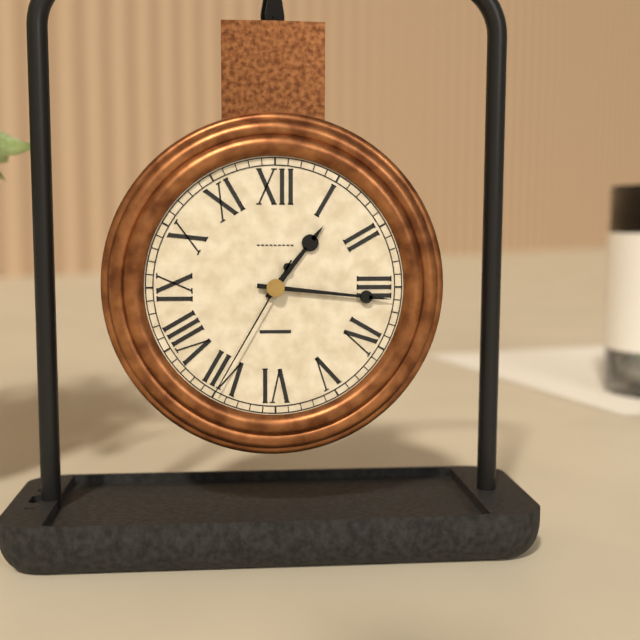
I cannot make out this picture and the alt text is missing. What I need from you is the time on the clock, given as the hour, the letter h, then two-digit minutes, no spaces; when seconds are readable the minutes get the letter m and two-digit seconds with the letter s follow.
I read 1h16m35s
